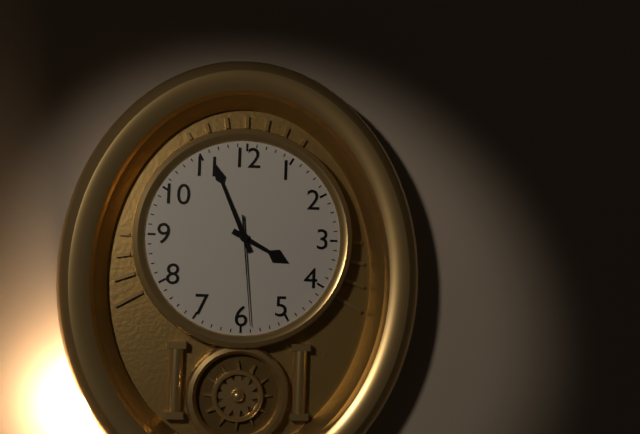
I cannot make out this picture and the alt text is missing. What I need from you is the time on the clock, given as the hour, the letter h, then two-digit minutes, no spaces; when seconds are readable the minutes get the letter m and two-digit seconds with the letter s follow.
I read 3h56m29s
